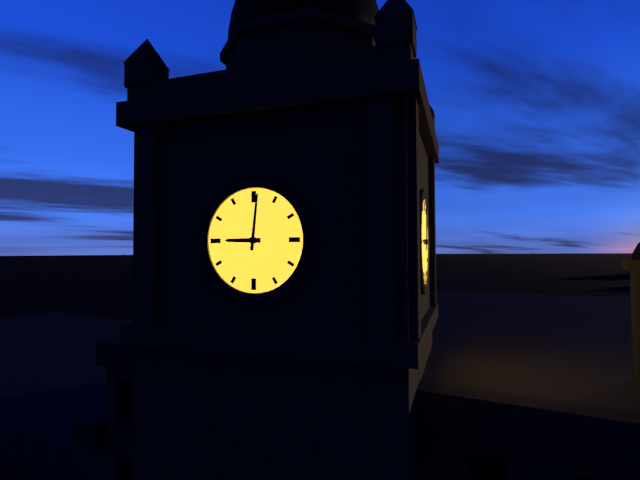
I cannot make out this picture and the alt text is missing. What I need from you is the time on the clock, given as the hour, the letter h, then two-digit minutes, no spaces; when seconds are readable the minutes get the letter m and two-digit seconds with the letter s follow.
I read 9h01
